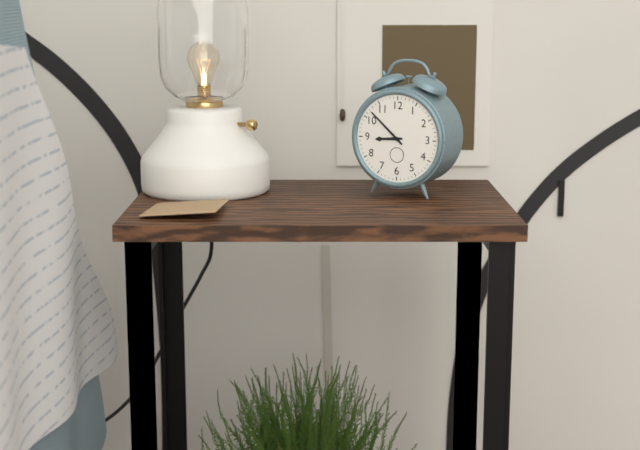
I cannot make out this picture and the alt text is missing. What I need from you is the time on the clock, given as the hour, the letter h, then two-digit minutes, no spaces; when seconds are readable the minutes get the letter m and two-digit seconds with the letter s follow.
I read 8h52
